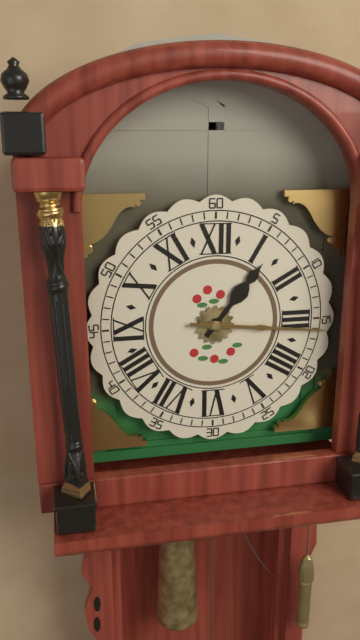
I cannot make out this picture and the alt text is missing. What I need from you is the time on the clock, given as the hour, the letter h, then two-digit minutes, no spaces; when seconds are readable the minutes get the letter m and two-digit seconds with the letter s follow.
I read 1h16
